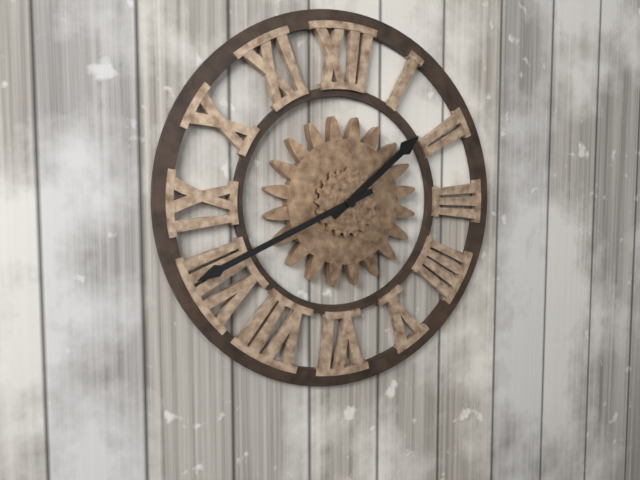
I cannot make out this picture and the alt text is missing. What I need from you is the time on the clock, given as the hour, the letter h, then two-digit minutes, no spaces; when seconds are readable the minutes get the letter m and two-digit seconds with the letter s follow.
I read 1h41
